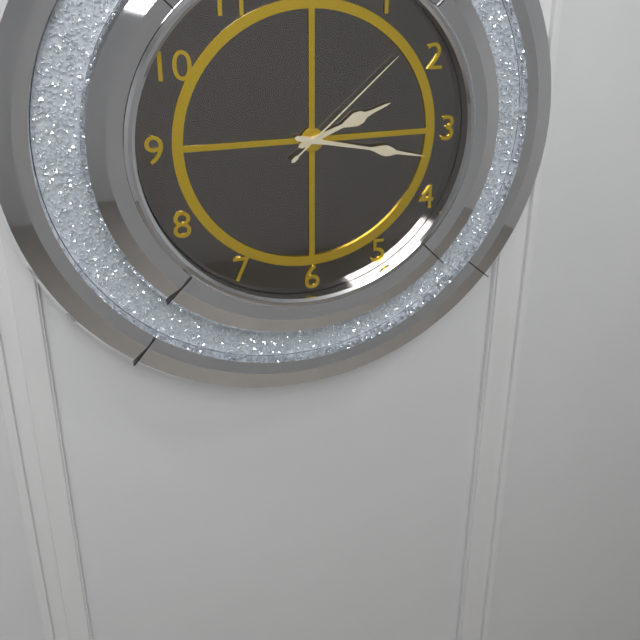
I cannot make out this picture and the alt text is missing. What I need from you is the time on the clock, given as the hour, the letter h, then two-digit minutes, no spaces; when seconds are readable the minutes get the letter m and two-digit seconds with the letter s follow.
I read 2h17m08s
